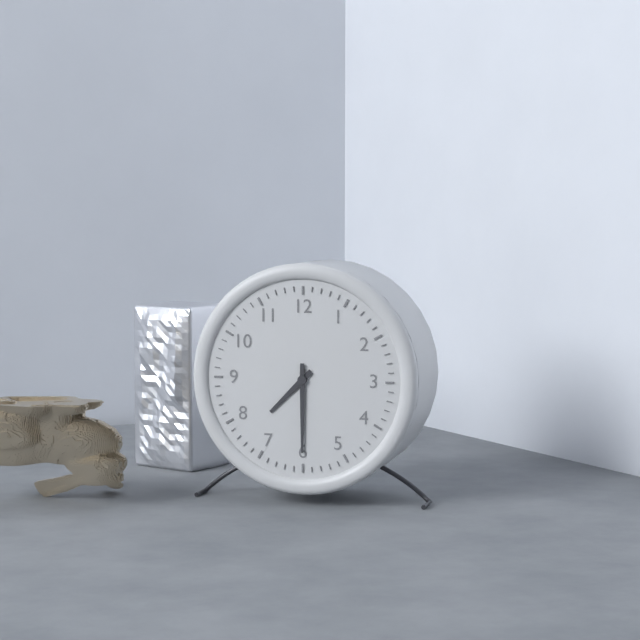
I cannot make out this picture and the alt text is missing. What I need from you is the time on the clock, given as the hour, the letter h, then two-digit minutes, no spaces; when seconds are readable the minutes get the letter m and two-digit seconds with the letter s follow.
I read 7h30
